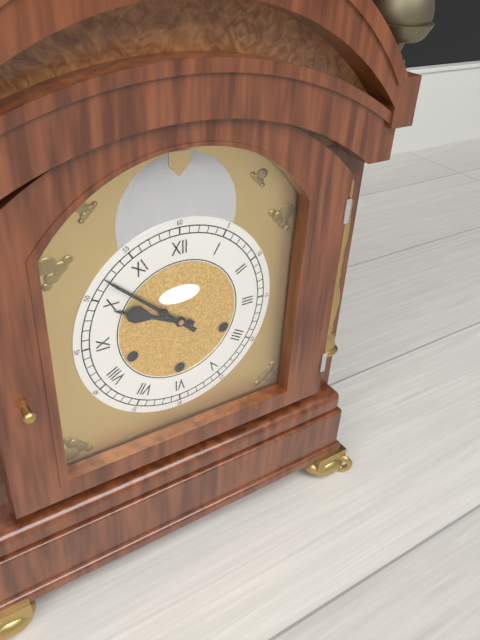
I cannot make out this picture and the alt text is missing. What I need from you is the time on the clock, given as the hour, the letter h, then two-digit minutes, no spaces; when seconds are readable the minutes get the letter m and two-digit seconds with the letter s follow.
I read 9h52
